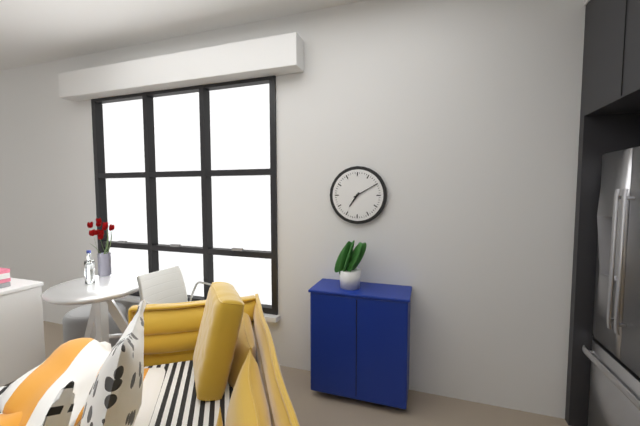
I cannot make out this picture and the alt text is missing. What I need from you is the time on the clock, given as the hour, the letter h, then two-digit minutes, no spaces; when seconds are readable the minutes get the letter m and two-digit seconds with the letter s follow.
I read 7h10
